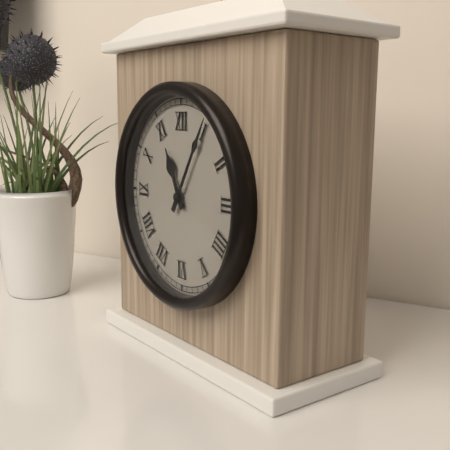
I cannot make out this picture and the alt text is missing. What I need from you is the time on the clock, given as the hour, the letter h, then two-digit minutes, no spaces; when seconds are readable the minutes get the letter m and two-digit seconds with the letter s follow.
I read 11h05
